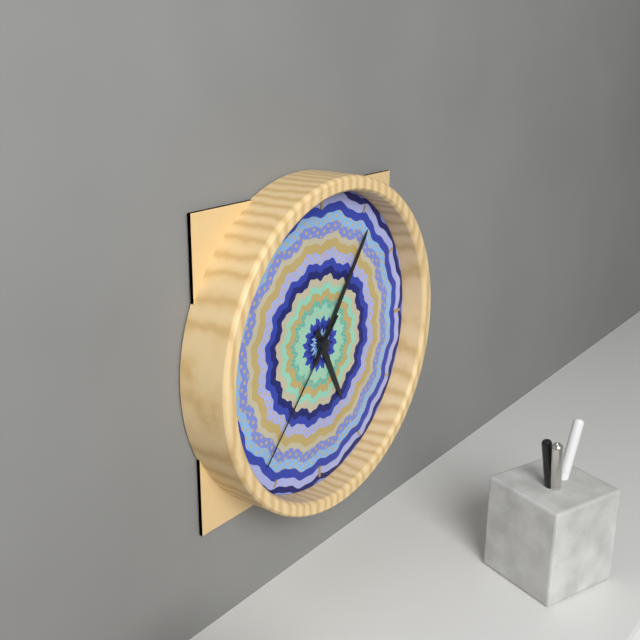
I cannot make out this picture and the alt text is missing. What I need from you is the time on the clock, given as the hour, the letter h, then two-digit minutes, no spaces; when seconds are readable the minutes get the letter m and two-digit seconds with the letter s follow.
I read 5h06m37s
